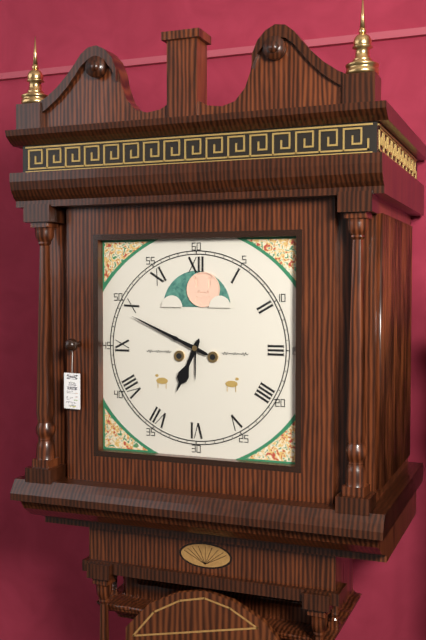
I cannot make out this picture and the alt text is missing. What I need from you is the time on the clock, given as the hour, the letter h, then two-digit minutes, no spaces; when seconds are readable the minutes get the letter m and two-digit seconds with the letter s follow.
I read 6h49
